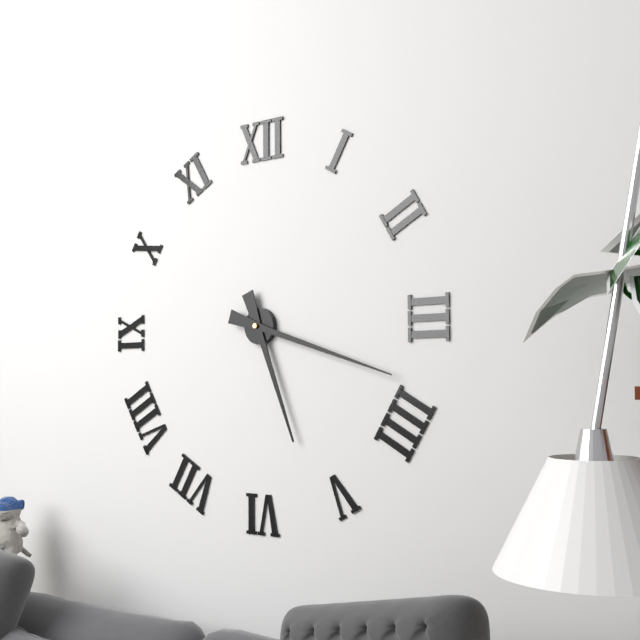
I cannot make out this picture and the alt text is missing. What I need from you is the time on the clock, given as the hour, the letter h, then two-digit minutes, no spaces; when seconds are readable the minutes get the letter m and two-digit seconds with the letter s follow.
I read 5h18
